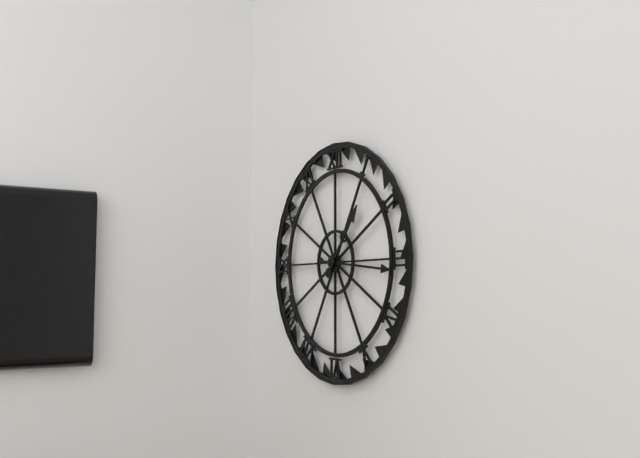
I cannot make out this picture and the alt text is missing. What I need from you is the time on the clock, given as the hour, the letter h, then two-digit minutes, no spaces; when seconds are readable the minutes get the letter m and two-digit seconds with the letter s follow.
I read 1h16
